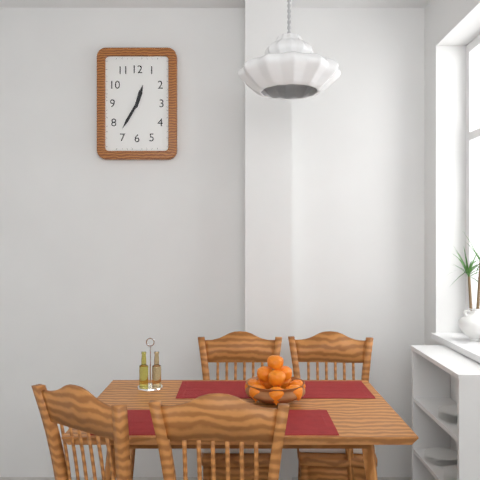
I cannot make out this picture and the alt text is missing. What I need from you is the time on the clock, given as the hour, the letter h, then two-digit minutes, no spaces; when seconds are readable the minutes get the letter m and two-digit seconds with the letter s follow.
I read 12h35
